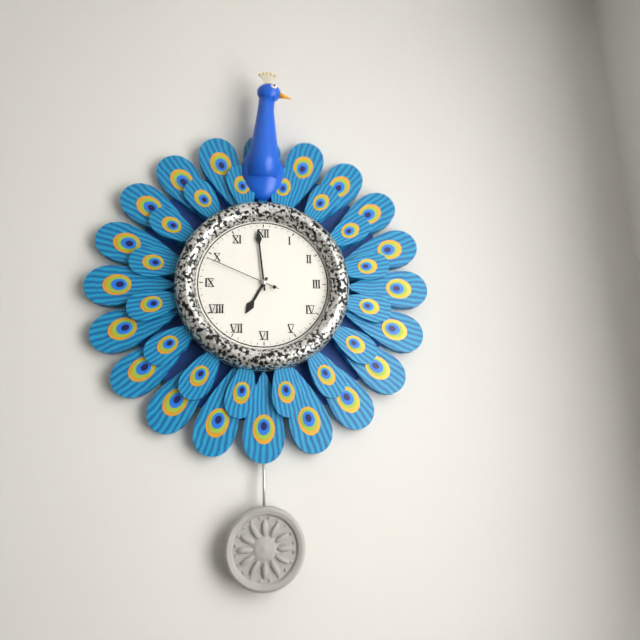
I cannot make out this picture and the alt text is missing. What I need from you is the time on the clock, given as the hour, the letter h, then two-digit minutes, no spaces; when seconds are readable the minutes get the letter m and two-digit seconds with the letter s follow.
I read 6h59m49s
